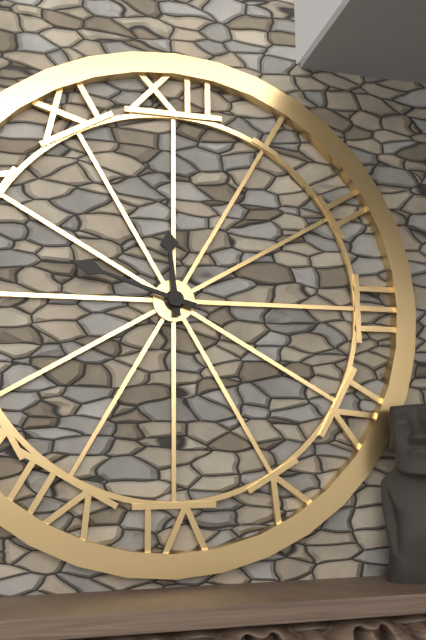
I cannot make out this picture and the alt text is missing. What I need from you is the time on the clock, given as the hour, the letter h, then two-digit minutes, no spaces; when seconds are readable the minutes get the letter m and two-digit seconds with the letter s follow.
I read 11h48
